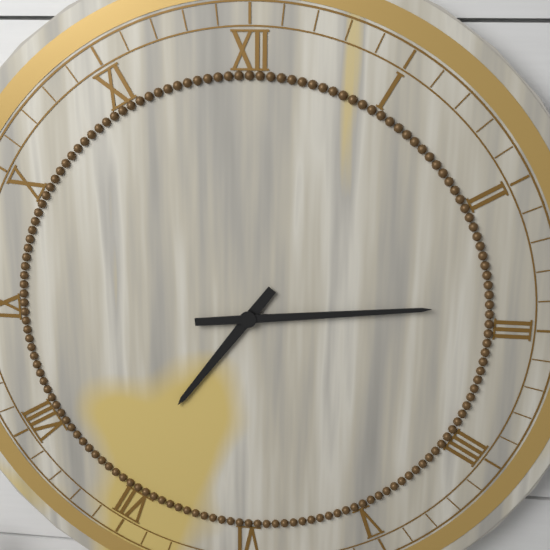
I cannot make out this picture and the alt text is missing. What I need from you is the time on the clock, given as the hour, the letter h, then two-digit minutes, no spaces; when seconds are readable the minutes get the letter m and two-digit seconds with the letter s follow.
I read 7h14
